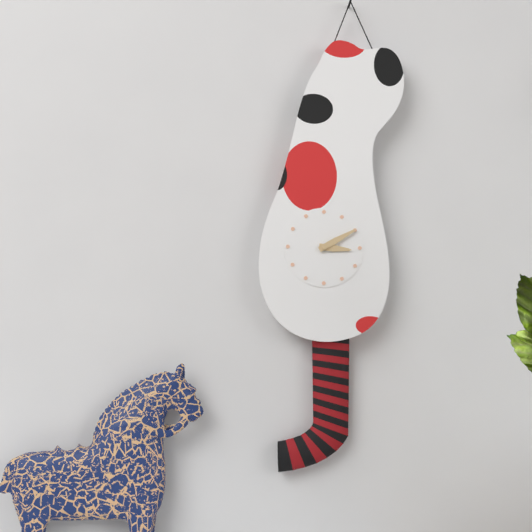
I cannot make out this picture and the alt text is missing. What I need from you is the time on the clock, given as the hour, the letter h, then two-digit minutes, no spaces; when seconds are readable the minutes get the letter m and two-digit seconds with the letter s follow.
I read 3h10
